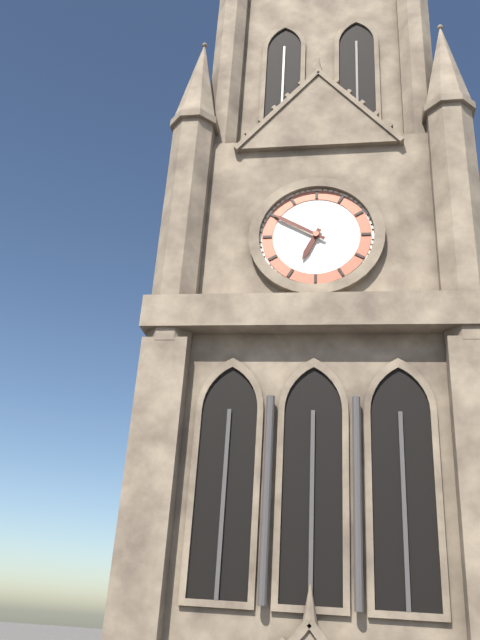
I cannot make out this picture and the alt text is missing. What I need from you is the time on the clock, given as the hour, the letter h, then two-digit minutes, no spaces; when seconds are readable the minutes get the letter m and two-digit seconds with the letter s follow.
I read 6h50
